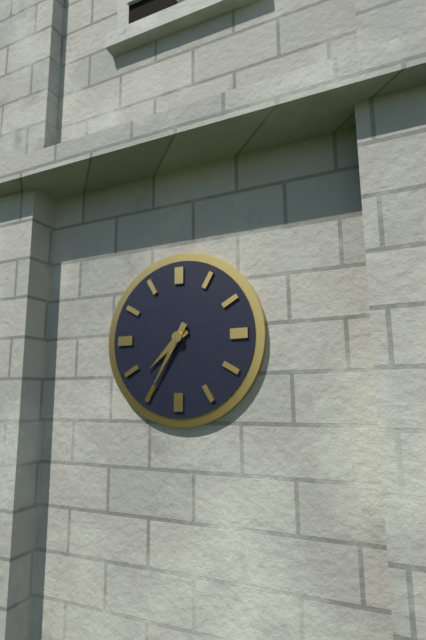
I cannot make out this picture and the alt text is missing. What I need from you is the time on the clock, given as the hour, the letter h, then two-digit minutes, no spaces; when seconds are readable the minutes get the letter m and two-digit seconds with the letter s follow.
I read 7h35
